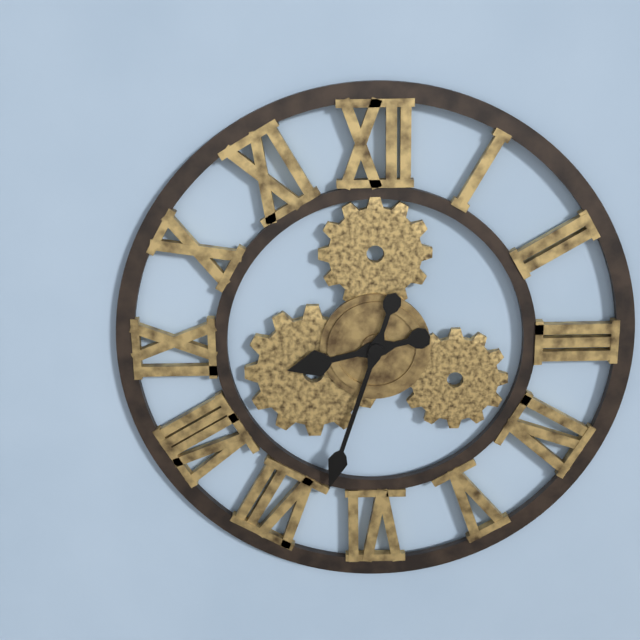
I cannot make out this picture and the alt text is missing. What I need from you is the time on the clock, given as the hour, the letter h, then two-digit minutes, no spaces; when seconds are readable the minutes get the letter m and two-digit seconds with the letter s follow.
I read 8h33
